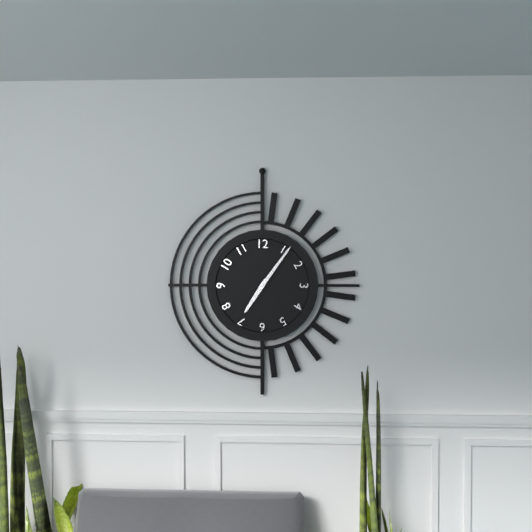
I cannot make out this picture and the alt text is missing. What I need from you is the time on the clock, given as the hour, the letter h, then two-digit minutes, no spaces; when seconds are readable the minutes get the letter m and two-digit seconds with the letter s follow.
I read 7h06
